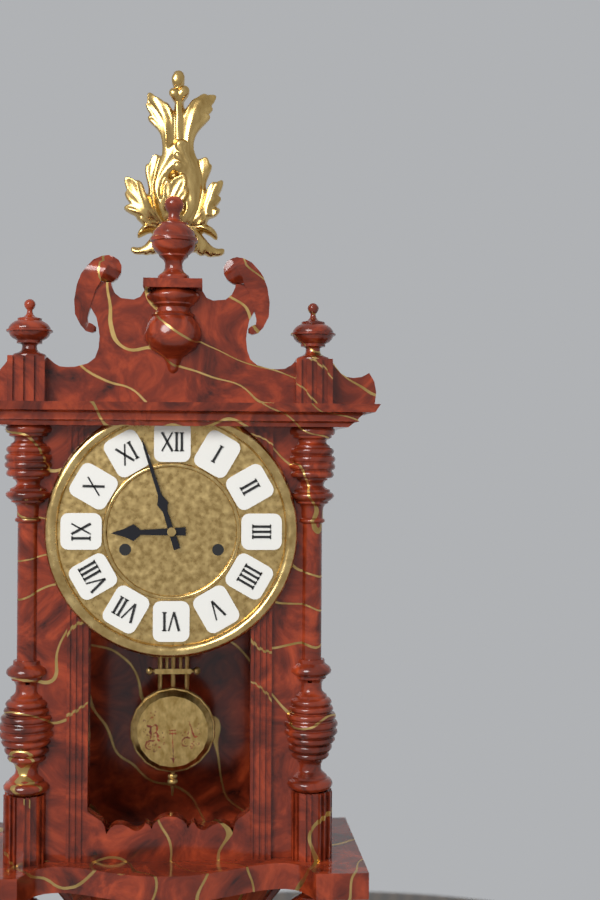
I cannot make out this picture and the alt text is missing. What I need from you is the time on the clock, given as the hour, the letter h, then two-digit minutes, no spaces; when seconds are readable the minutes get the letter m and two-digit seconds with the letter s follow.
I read 8h57
